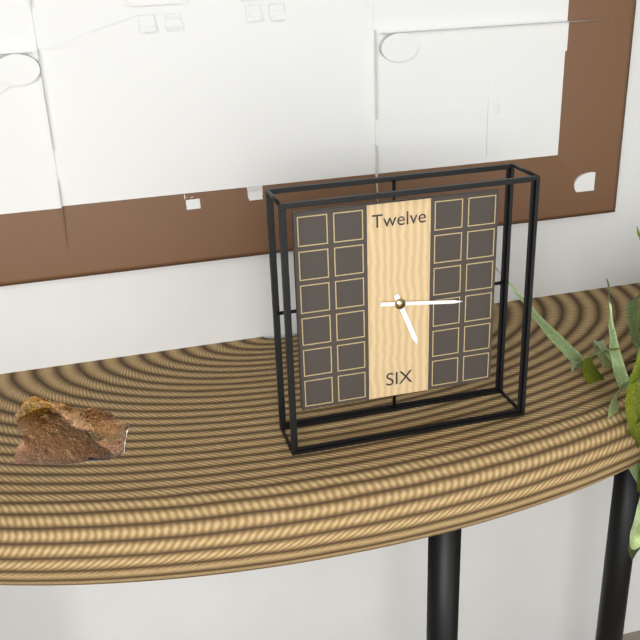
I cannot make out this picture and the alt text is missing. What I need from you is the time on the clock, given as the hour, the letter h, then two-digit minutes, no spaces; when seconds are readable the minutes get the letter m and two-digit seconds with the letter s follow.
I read 5h16
